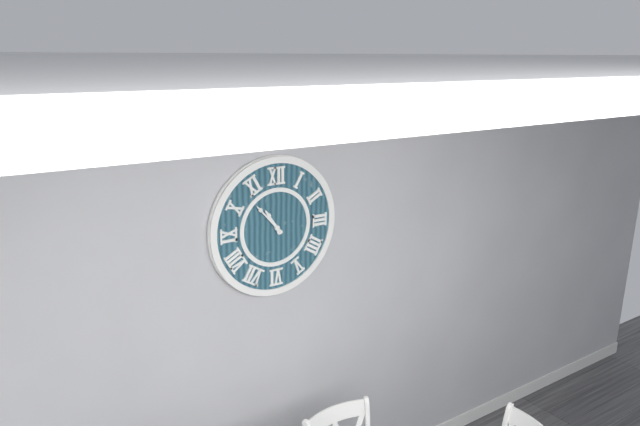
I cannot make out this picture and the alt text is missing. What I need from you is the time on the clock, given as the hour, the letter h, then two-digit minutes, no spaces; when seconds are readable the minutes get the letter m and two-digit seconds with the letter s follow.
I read 10h53
